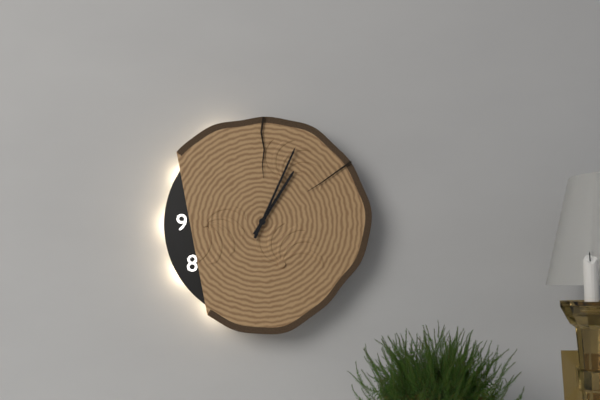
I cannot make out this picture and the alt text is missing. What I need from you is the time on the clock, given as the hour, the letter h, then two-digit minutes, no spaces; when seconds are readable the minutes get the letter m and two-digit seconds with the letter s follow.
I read 1h04
